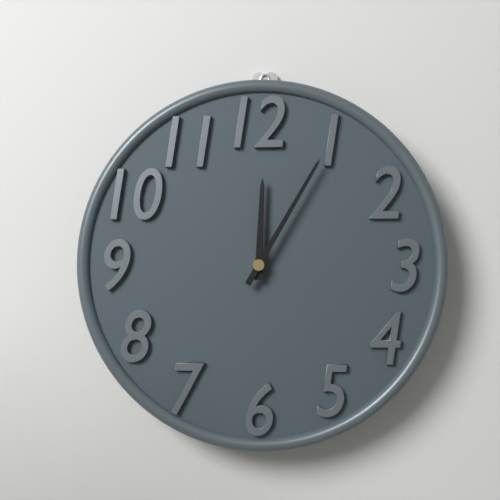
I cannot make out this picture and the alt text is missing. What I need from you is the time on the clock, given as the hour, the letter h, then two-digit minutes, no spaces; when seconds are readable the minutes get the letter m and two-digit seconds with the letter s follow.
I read 12h05
